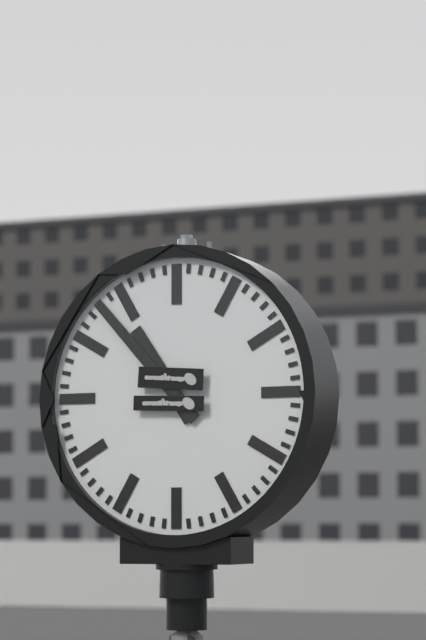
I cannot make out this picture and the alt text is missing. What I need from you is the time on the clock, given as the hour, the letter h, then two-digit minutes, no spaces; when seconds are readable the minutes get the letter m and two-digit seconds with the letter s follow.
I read 10h53
